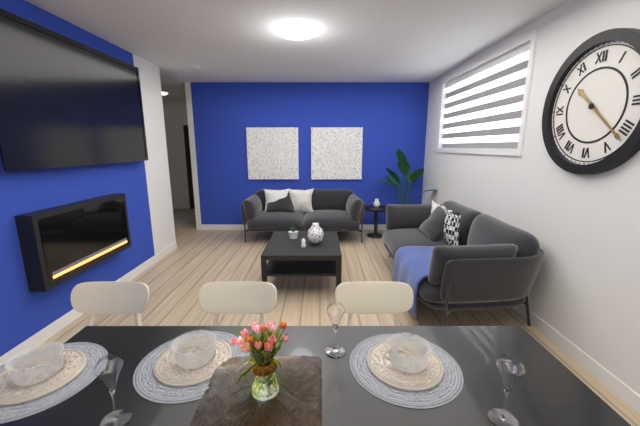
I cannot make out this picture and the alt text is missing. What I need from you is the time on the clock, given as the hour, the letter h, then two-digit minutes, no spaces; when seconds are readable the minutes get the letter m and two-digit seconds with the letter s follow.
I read 10h22
